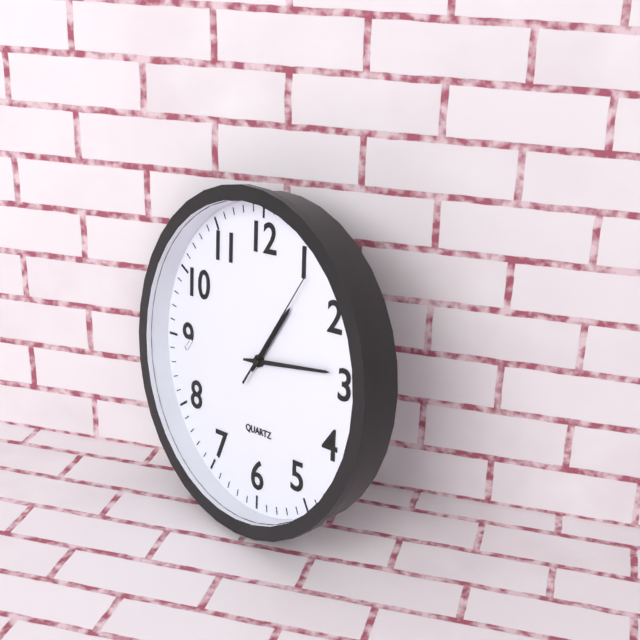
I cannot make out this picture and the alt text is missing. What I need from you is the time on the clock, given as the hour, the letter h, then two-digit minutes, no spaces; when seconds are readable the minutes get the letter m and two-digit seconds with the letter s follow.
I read 1h14m06s
